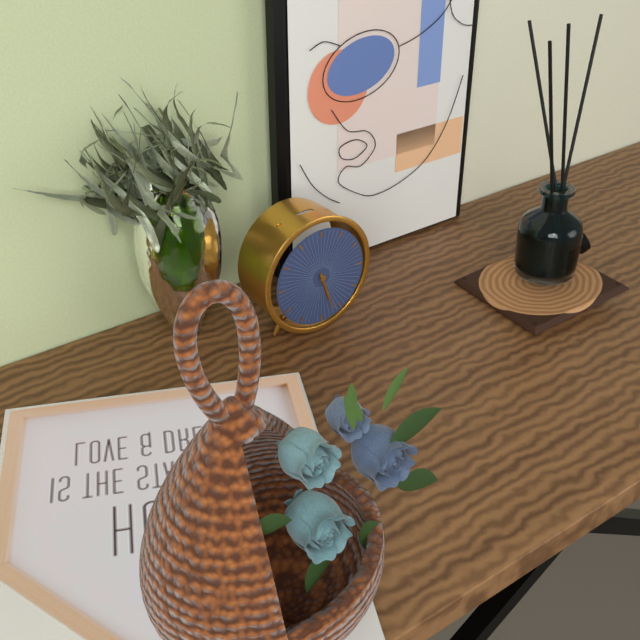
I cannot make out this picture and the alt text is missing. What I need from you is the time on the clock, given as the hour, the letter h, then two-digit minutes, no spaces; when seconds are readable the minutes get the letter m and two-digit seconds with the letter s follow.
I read 5h27
